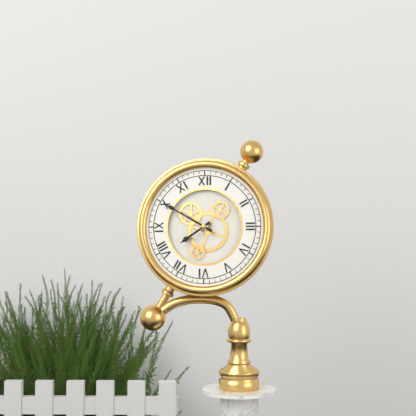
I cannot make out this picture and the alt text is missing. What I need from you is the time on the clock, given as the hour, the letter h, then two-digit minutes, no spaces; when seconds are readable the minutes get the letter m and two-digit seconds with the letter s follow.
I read 7h50
